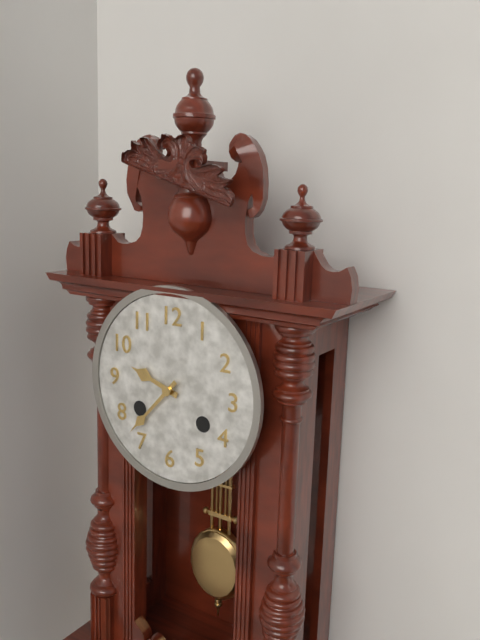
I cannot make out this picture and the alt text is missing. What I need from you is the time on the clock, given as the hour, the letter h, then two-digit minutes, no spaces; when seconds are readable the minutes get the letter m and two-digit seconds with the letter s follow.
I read 9h37
